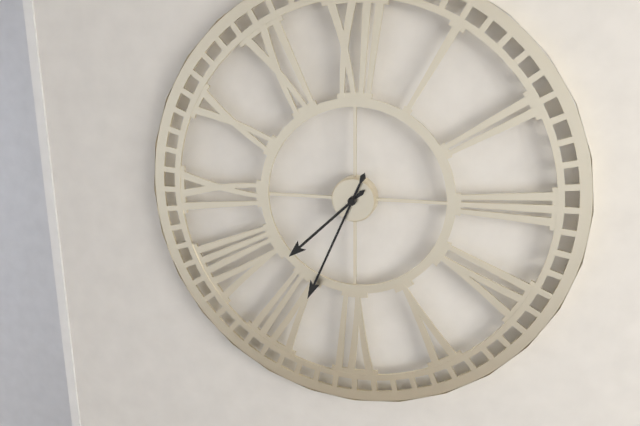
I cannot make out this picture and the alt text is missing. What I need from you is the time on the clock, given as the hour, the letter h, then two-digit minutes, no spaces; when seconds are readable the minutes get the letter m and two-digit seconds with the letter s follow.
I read 7h34
